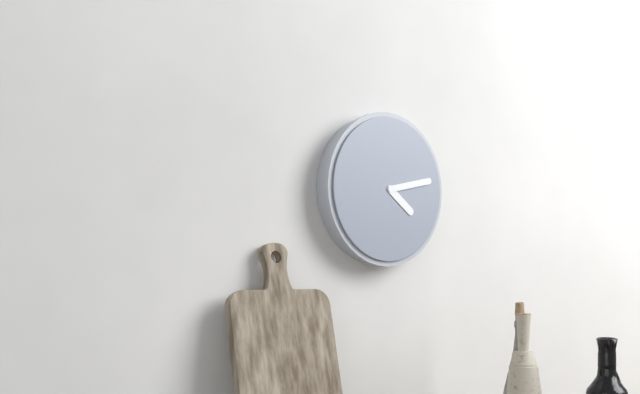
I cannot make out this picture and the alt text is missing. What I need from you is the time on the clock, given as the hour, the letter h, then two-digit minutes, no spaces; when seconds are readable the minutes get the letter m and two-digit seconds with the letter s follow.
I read 4h13
